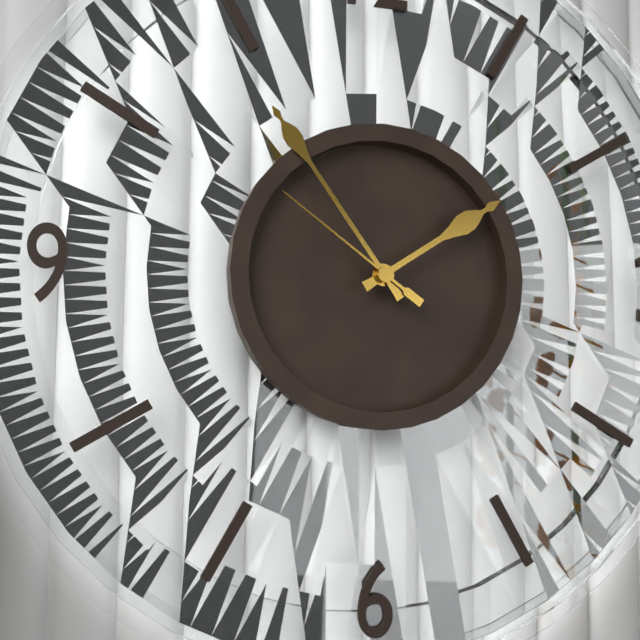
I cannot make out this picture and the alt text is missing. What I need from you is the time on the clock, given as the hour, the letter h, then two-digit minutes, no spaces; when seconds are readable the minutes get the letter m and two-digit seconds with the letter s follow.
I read 1h54m51s
